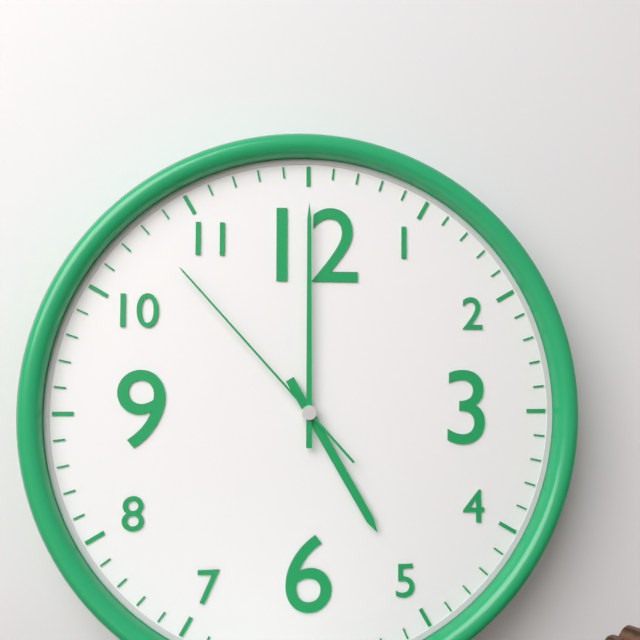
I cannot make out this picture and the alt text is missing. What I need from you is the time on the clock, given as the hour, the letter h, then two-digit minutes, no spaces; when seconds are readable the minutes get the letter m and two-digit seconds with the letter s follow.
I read 5h00m53s
